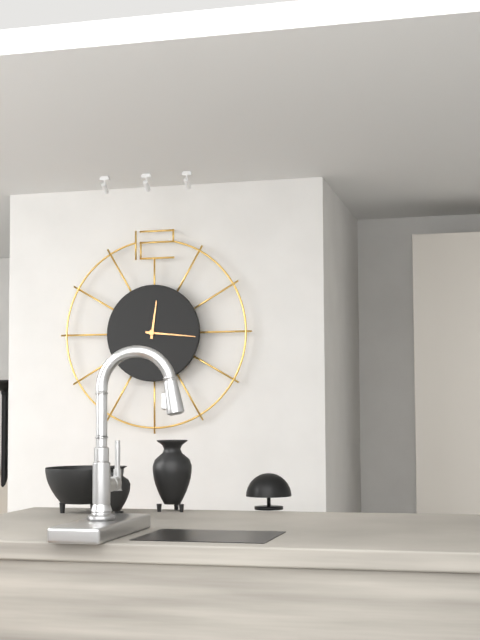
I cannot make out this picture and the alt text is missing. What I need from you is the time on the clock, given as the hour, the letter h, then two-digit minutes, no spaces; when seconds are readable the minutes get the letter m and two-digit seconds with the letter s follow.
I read 12h16
